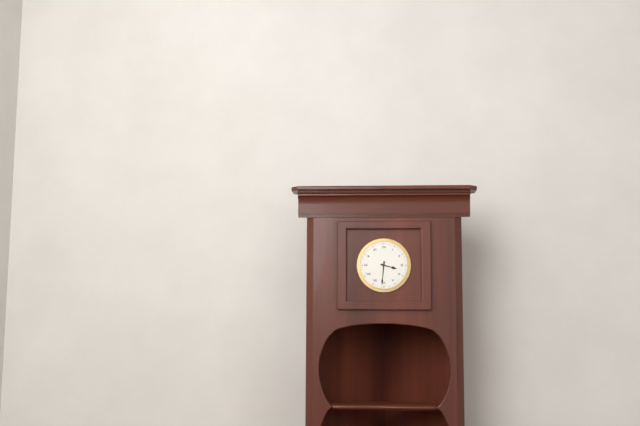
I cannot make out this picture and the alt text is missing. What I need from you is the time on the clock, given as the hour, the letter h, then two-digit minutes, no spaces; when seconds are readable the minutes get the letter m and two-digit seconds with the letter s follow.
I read 3h31
